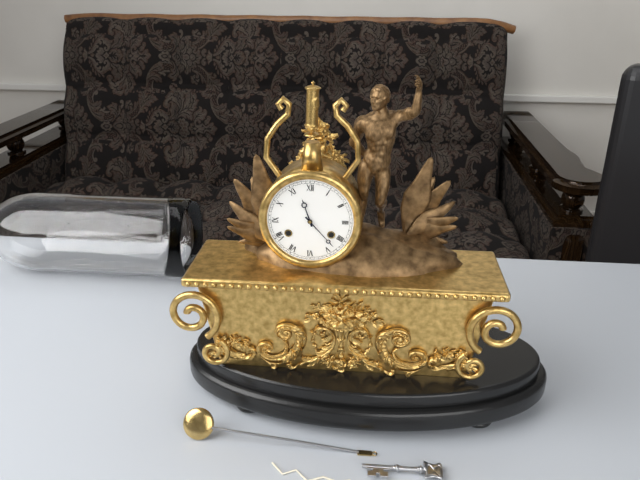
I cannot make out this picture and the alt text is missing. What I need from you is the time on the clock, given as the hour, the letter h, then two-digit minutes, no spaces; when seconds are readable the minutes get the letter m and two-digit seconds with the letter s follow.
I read 11h23
